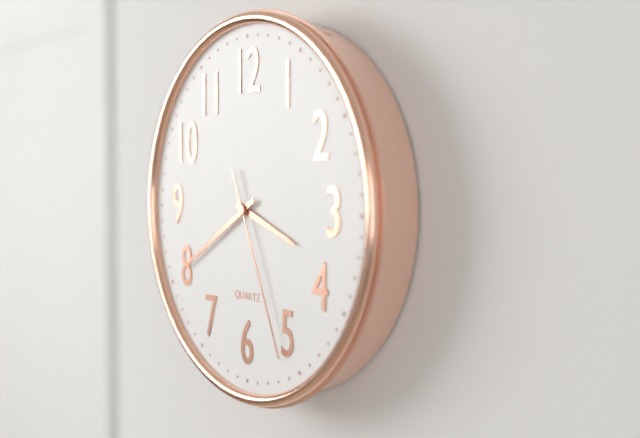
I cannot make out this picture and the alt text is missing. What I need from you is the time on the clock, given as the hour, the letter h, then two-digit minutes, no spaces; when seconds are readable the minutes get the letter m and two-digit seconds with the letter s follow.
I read 3h40m26s
